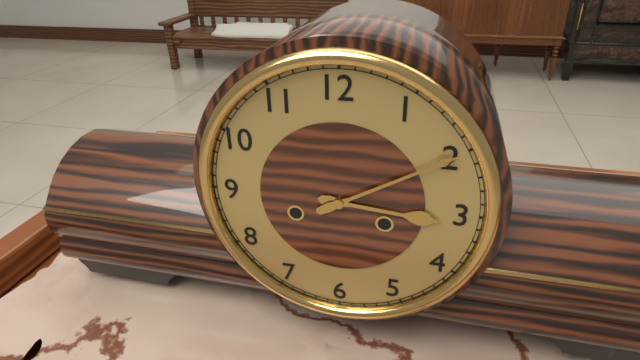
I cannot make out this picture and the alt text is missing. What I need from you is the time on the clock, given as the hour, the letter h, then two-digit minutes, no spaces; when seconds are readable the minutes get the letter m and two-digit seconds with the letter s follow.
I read 3h10
